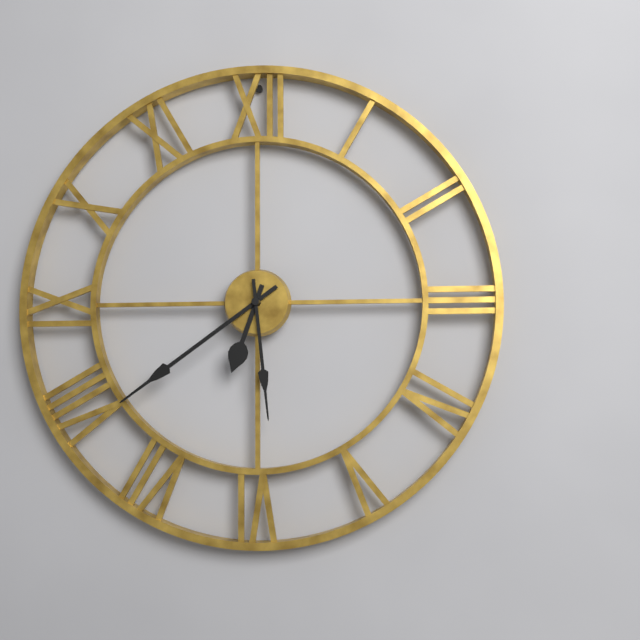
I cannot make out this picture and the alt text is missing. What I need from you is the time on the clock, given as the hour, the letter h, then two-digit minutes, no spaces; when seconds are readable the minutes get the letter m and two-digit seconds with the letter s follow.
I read 6h39m29s
